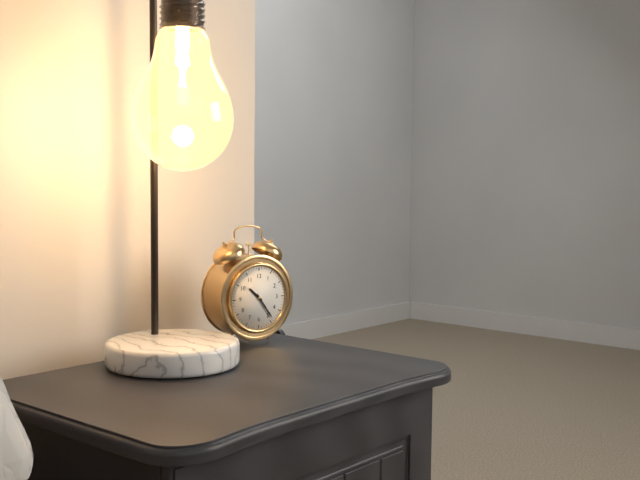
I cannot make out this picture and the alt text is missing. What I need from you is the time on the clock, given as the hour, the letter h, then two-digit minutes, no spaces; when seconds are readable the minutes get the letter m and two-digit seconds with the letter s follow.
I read 10h24
